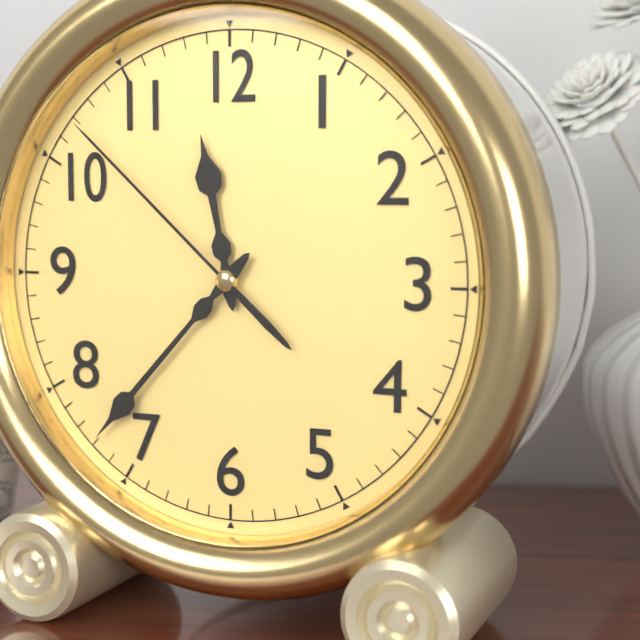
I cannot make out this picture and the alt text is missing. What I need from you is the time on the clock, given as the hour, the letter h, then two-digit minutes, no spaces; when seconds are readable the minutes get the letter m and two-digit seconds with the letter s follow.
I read 11h37m52s
